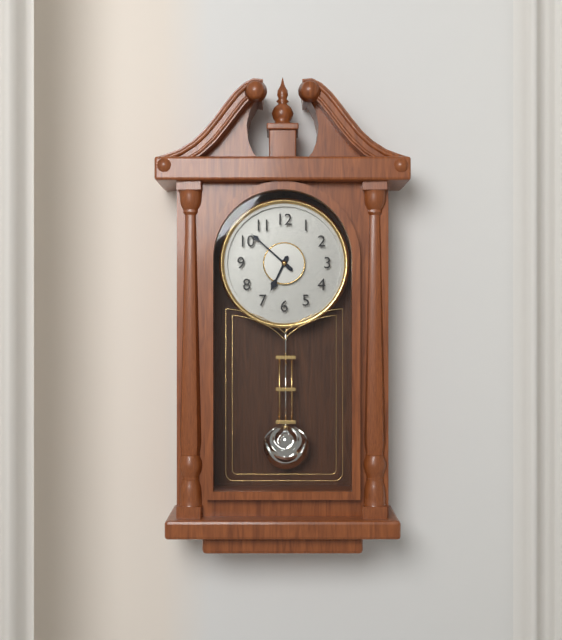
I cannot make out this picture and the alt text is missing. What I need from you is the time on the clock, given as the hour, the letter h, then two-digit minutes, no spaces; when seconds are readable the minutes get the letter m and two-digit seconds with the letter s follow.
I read 6h52
